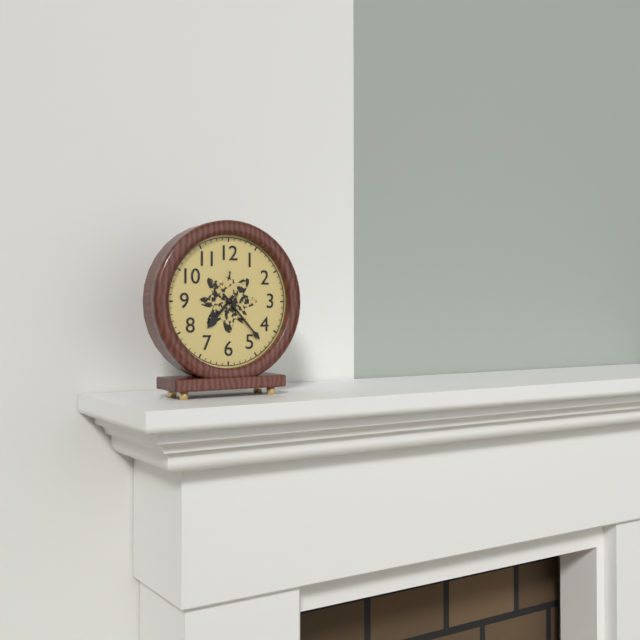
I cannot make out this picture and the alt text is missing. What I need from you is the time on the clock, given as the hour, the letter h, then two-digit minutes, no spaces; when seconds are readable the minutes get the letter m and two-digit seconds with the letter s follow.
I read 7h23
